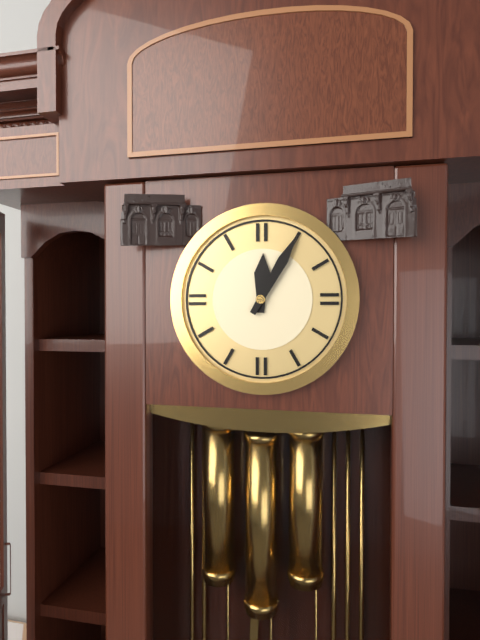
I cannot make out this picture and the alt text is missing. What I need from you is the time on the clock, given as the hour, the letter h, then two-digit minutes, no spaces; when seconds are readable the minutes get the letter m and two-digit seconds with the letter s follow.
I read 12h05
